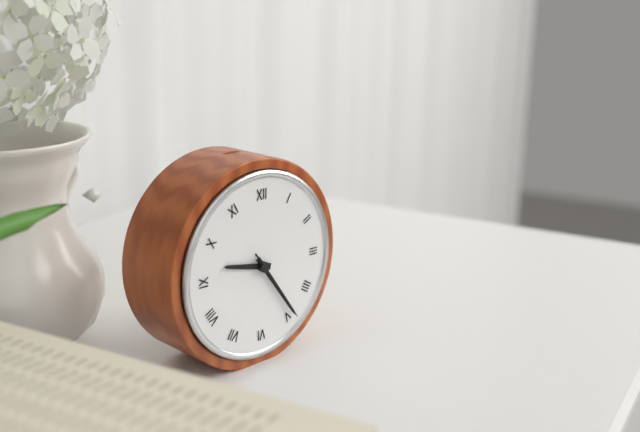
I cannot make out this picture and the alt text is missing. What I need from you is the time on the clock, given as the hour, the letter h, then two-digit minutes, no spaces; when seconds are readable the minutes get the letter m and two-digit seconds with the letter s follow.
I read 9h24m24s
